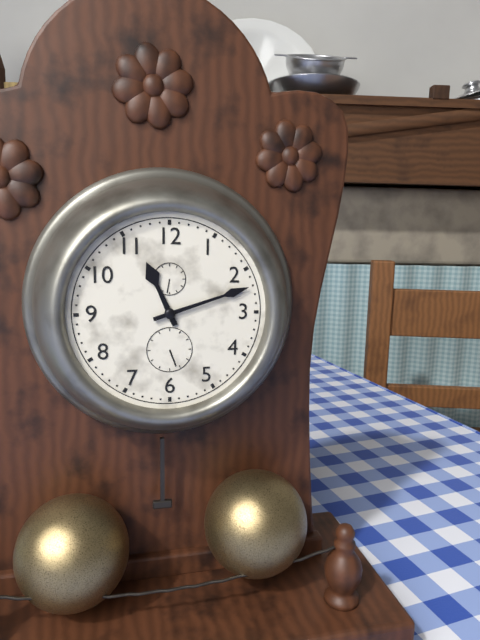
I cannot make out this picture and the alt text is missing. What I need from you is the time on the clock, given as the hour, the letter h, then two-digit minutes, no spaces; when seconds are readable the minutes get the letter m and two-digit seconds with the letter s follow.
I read 11h12
